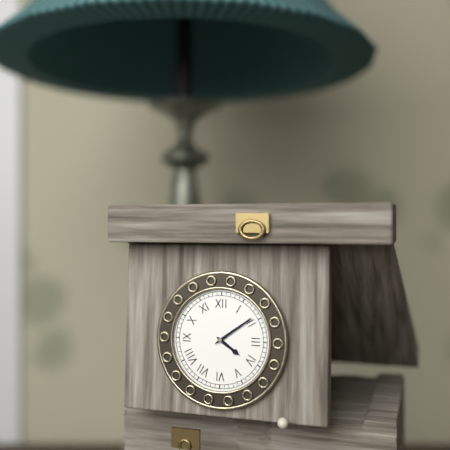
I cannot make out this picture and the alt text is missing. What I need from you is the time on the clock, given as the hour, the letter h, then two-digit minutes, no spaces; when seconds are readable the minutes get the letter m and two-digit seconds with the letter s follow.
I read 4h09
